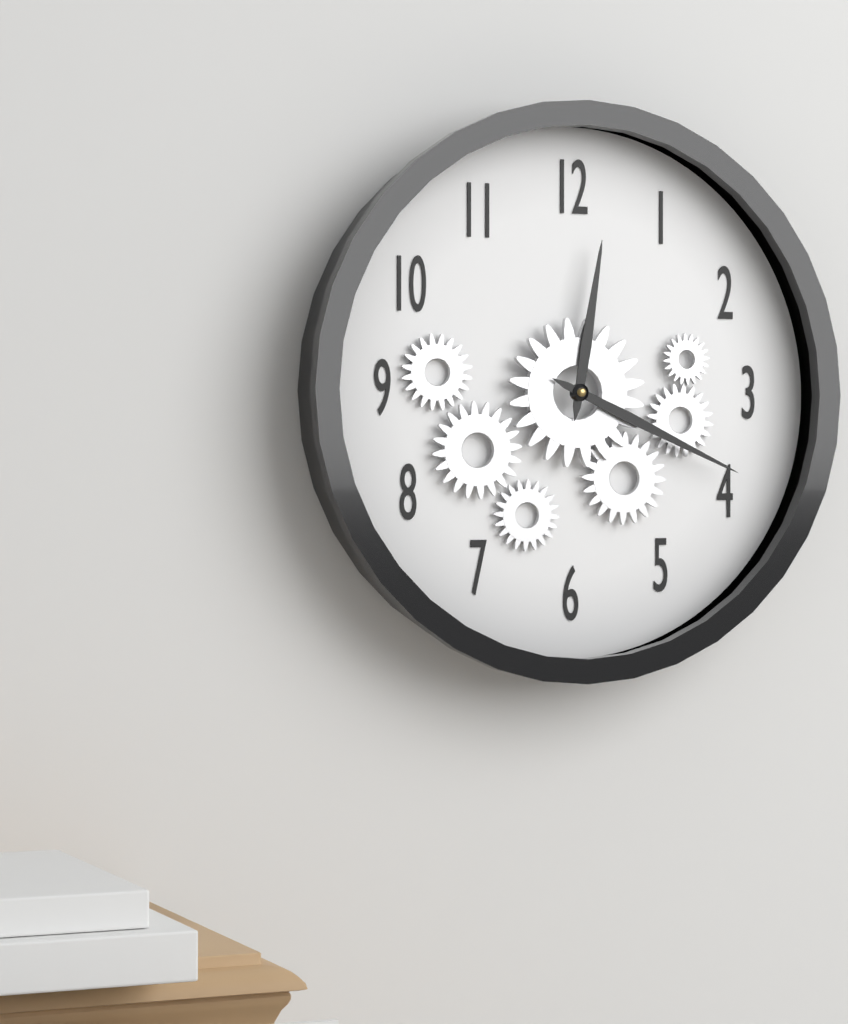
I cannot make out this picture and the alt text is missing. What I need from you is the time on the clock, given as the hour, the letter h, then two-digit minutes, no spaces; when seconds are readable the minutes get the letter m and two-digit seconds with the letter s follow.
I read 12h19
